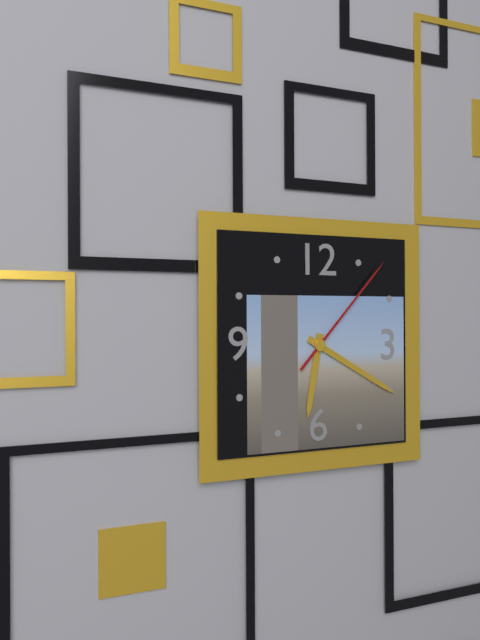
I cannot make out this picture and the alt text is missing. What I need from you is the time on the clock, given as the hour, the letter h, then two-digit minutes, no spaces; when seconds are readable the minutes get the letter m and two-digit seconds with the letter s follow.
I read 6h20m07s
